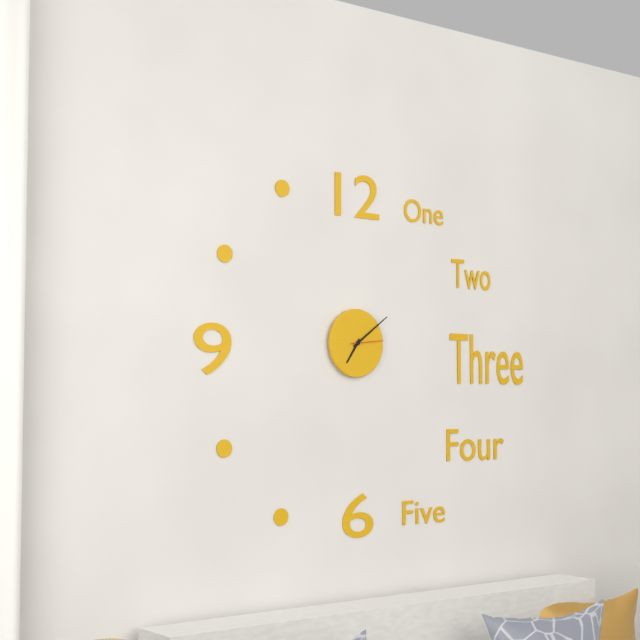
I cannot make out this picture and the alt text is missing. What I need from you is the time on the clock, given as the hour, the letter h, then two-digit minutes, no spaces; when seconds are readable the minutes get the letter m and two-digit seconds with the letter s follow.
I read 7h09
